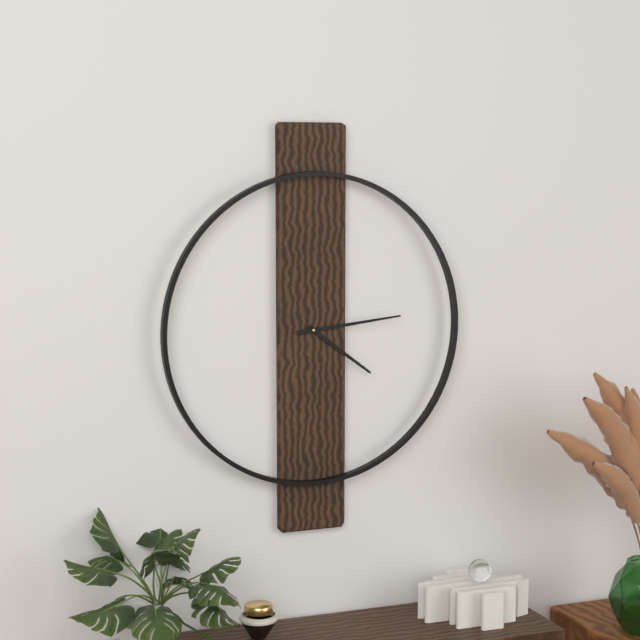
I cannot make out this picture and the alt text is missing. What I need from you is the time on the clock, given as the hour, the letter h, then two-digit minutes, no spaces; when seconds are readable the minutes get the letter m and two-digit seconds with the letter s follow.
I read 4h14
